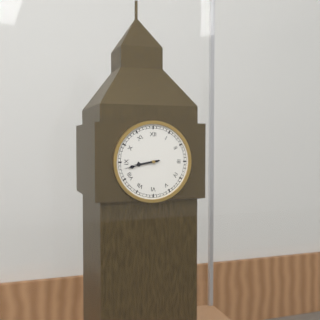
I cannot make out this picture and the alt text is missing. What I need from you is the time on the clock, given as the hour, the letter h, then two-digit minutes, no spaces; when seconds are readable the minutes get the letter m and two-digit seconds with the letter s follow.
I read 8h43
